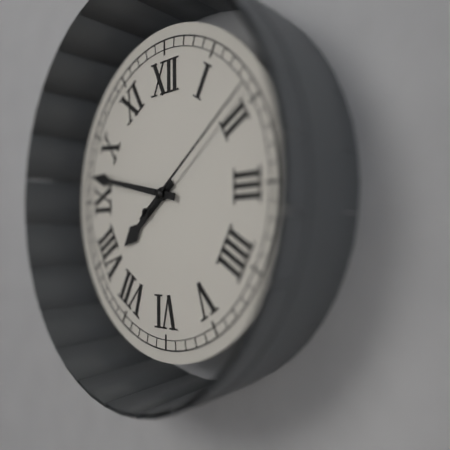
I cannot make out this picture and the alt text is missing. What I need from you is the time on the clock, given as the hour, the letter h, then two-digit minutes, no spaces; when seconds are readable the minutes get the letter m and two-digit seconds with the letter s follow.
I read 7h47m09s
